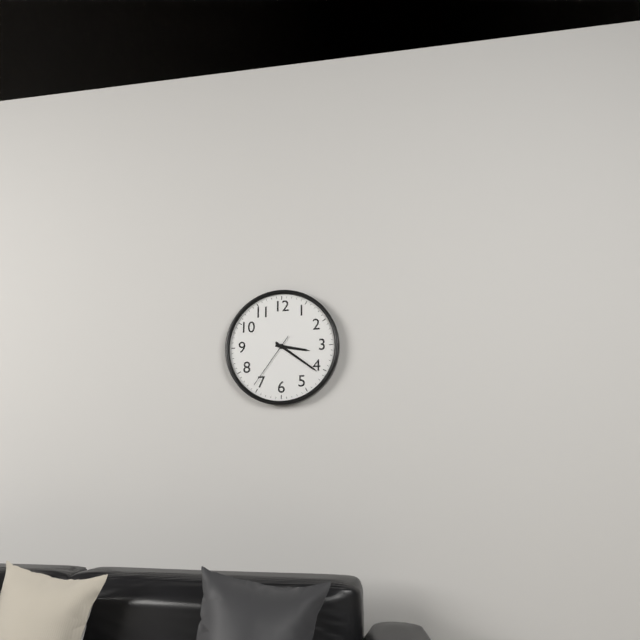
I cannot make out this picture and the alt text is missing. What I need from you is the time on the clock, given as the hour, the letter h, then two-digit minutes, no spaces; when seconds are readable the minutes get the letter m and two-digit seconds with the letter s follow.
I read 3h21m36s
